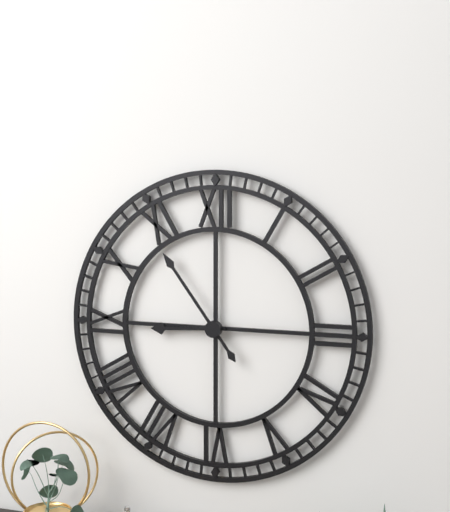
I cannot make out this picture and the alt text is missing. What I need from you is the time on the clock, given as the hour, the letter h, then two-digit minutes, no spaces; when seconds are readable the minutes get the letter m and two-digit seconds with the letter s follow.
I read 8h54
